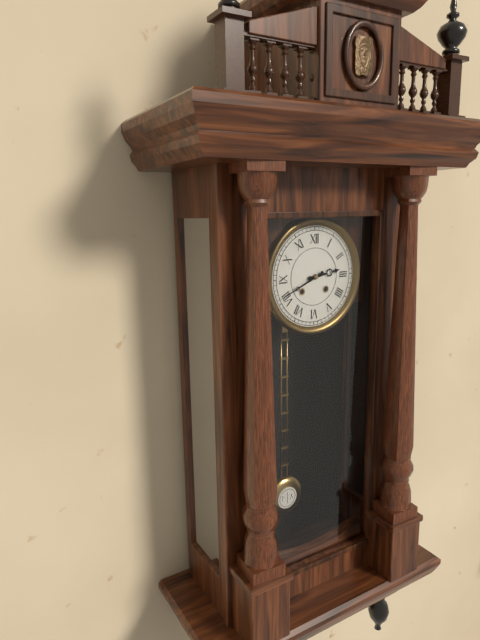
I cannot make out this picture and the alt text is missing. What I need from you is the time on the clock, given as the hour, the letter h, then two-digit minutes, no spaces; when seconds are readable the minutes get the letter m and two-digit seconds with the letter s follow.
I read 2h41
